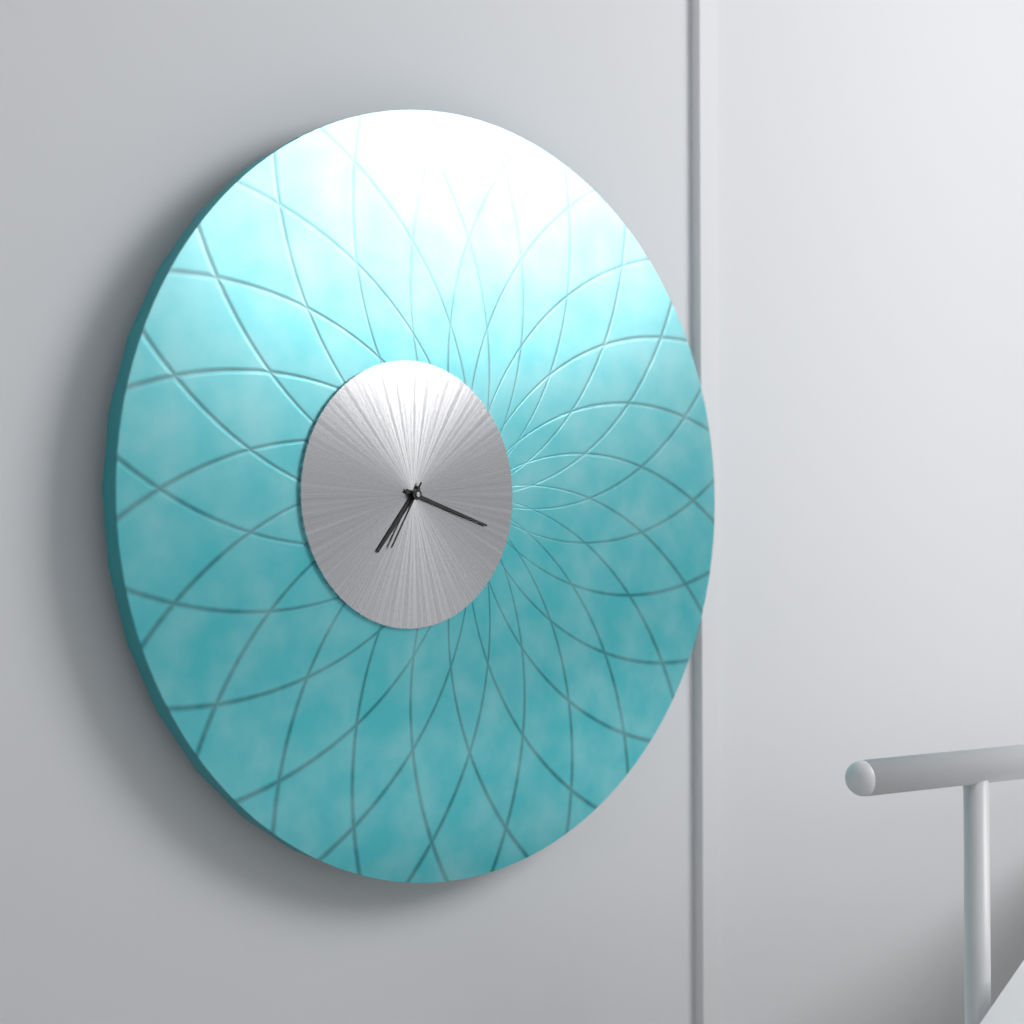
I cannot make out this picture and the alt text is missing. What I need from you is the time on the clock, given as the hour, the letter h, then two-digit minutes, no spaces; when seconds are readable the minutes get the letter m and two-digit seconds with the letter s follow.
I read 7h18m35s
